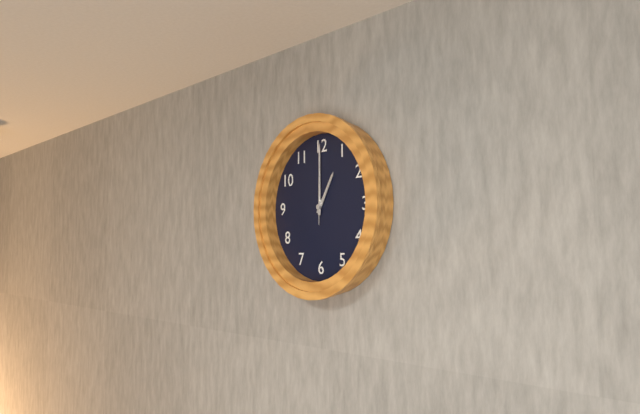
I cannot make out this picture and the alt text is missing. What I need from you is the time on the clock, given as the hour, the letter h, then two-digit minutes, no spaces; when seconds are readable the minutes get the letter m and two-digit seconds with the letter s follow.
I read 1h00m00s
